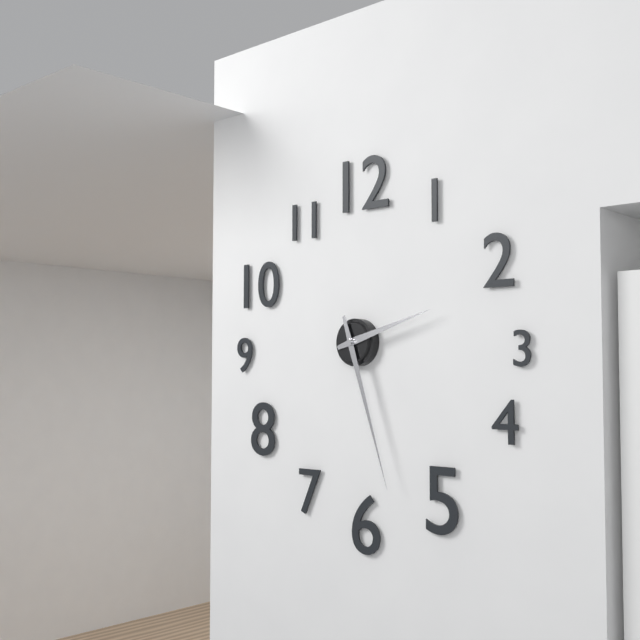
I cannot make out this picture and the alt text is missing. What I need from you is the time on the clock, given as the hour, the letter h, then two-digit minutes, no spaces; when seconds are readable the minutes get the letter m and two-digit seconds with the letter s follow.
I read 2h27
